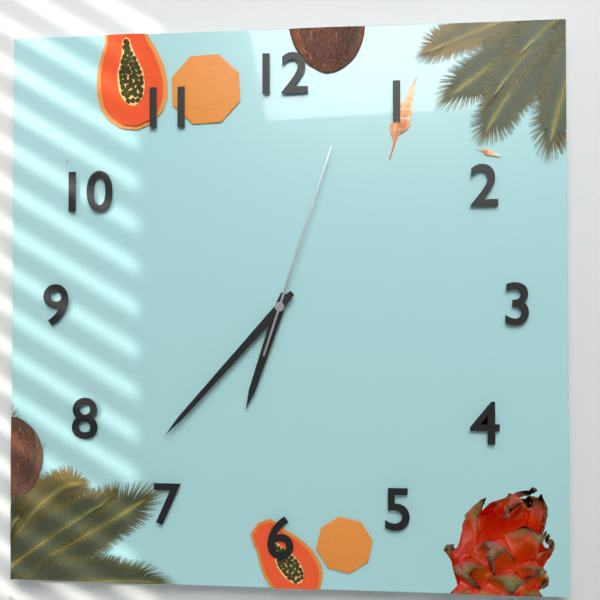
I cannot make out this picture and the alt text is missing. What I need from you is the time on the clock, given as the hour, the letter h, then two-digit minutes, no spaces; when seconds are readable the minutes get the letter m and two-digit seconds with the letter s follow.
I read 6h37m03s
